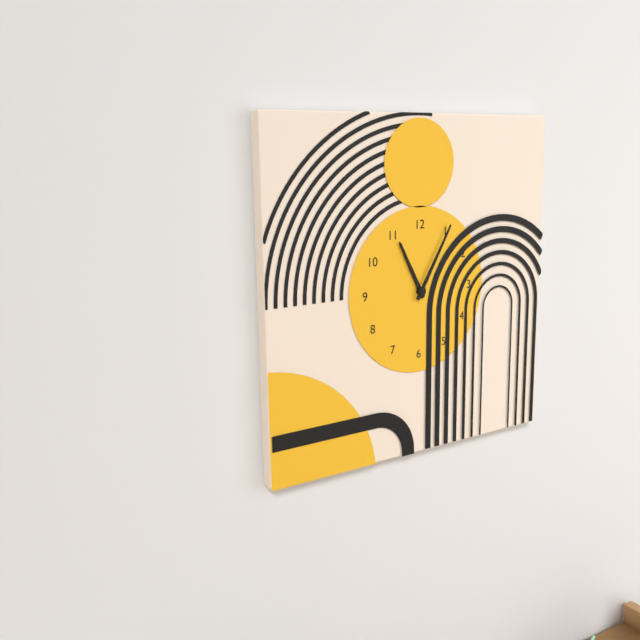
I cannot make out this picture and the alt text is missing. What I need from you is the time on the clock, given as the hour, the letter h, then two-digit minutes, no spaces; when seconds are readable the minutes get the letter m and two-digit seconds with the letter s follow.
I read 11h05
